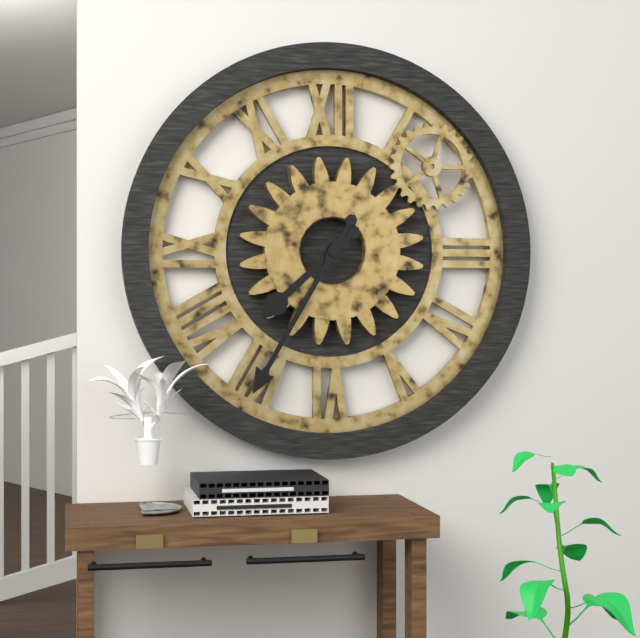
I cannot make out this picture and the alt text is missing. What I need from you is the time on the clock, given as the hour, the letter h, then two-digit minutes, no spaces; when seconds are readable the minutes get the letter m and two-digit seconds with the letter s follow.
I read 7h35
